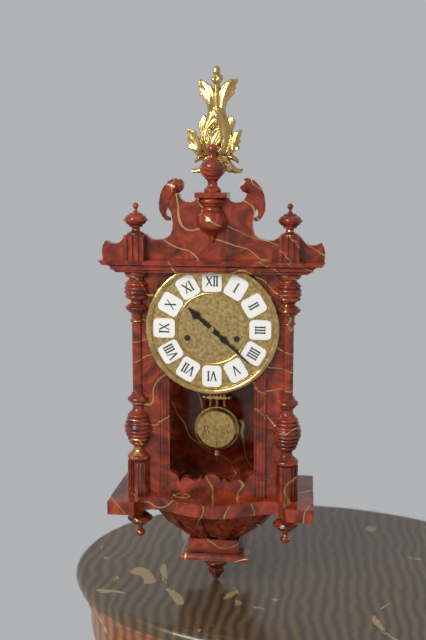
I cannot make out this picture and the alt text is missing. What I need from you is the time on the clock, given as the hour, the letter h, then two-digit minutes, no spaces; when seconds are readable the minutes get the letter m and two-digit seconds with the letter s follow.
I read 10h22
